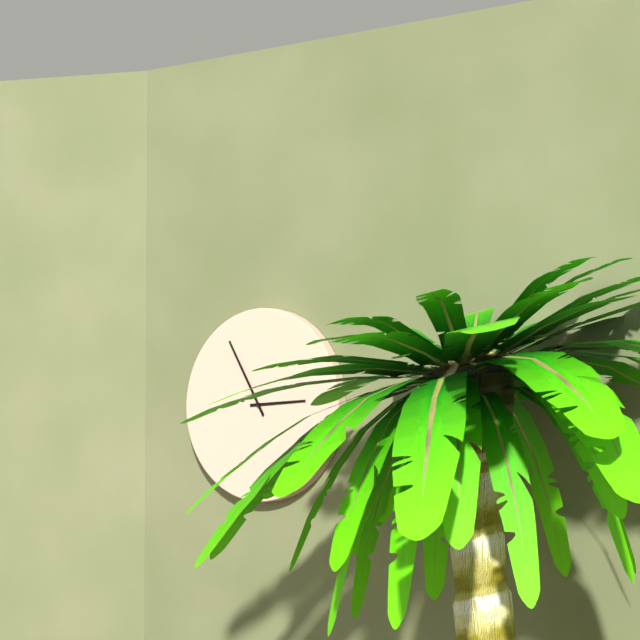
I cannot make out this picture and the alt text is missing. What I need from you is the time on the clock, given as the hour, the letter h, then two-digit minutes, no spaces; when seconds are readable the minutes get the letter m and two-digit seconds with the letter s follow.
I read 2h55
